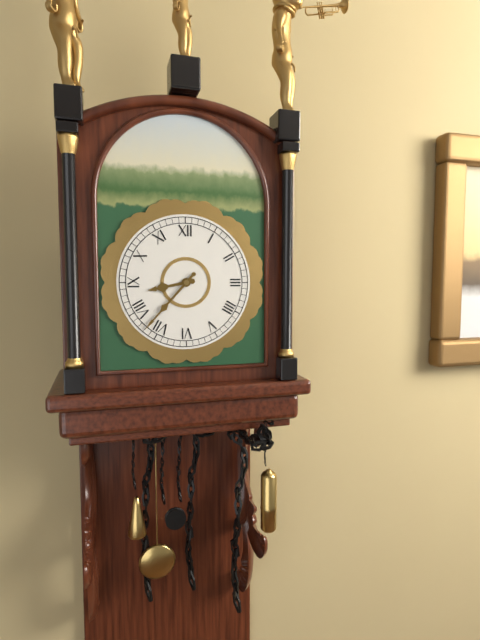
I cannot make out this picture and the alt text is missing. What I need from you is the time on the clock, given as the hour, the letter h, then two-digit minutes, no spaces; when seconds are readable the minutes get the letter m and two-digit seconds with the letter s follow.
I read 8h37
